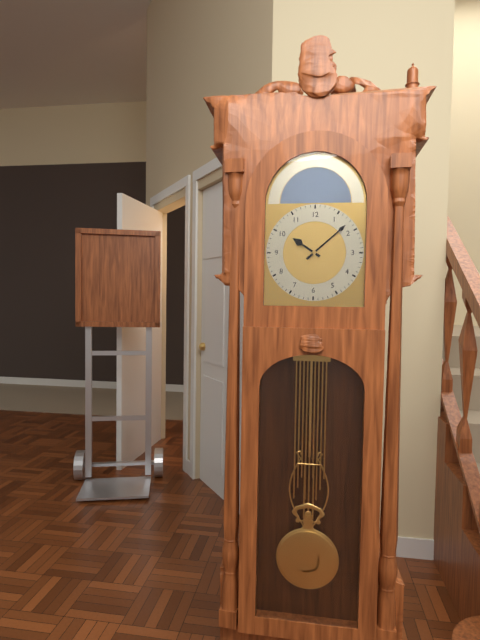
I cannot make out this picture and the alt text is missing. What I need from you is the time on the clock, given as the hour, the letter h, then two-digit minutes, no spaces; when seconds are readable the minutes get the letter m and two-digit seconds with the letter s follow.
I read 10h08
